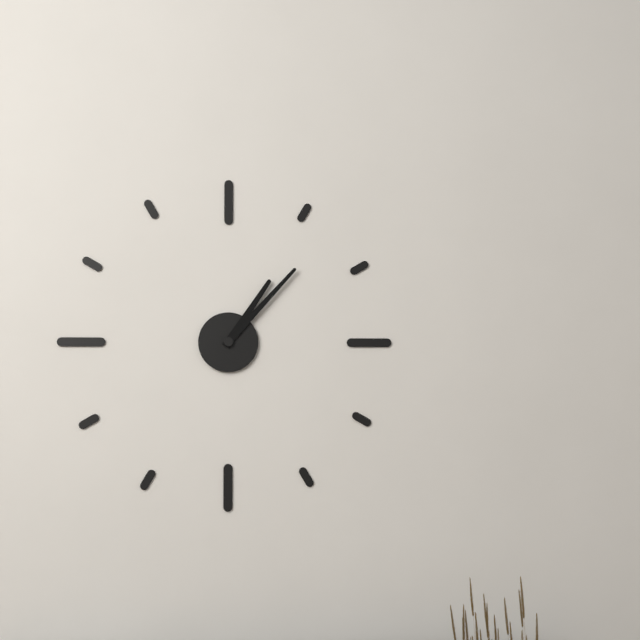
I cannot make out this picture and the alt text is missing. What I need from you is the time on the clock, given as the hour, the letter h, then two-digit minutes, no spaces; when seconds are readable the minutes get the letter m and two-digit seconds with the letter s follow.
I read 1h07
